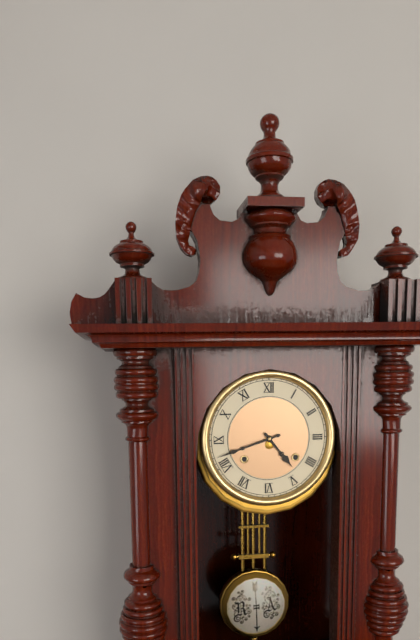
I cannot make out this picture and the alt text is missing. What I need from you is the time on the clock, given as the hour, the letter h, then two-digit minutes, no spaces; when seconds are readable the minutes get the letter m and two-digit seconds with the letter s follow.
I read 4h42
